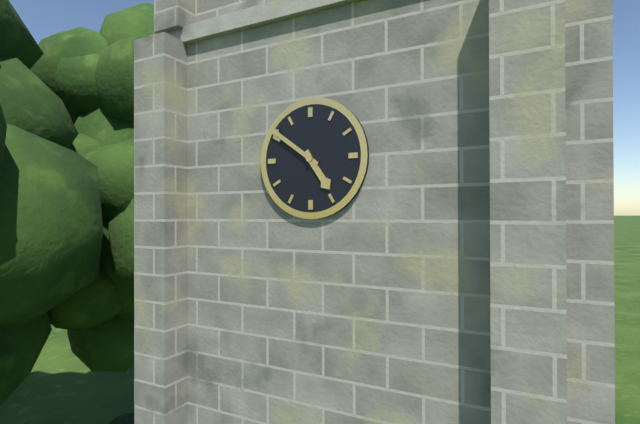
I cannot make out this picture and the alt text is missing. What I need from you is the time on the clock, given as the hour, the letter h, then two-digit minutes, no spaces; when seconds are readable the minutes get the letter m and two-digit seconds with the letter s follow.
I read 4h51
